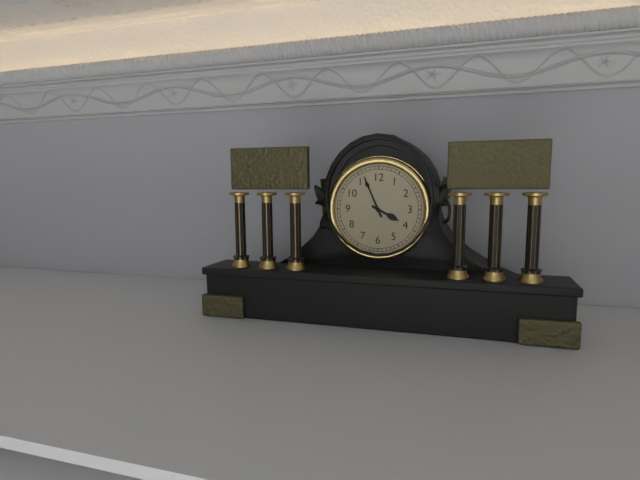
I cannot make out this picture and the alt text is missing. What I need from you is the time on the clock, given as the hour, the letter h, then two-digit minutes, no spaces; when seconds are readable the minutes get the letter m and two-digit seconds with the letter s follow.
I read 3h56
